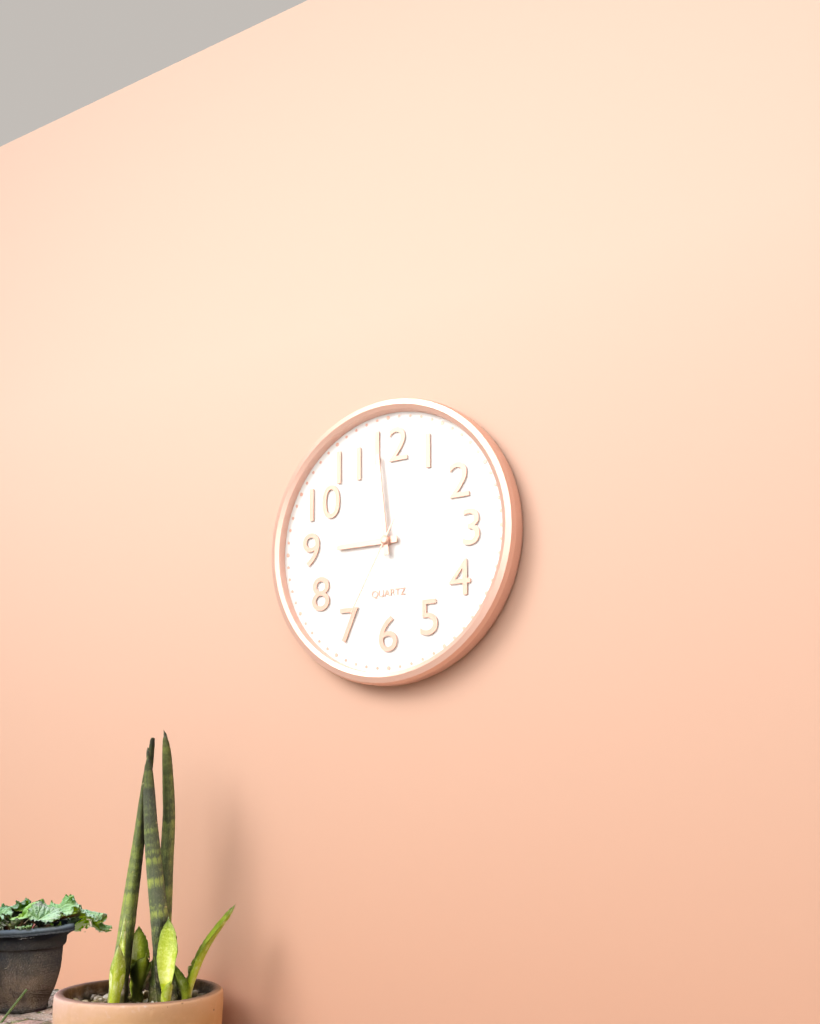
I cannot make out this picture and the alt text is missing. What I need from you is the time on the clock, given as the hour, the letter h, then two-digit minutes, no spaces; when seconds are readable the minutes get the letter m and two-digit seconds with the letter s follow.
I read 8h59m35s
